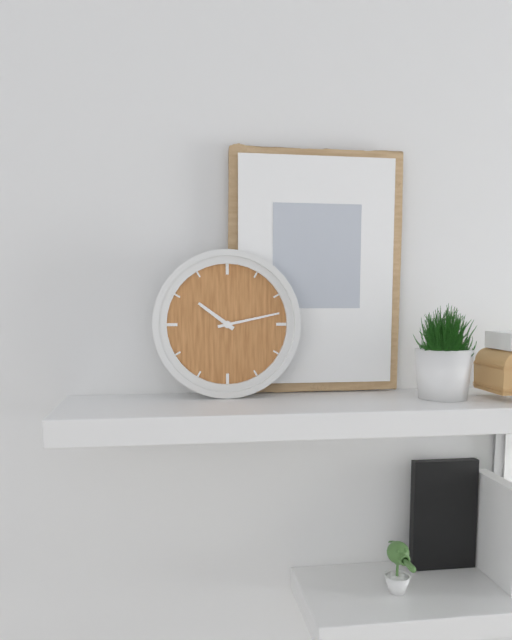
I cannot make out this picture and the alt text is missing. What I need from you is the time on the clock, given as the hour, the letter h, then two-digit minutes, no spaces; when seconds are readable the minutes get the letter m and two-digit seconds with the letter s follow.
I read 10h13
